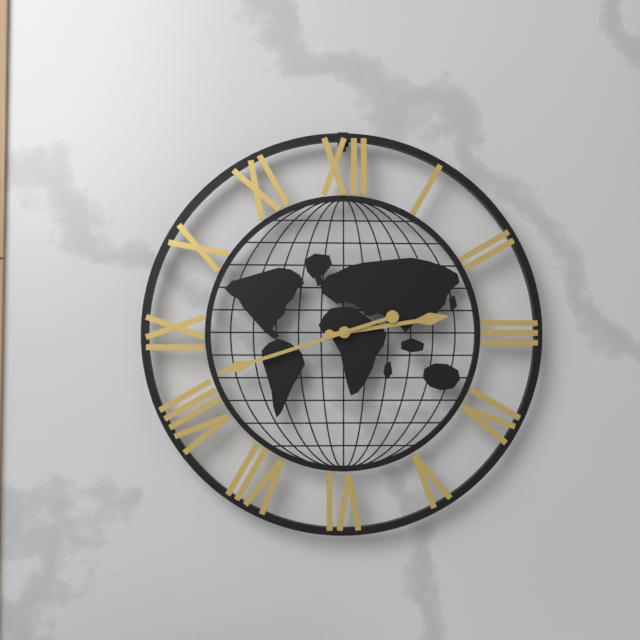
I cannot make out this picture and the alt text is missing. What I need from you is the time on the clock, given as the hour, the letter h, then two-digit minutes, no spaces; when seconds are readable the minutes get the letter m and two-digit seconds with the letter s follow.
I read 2h42
